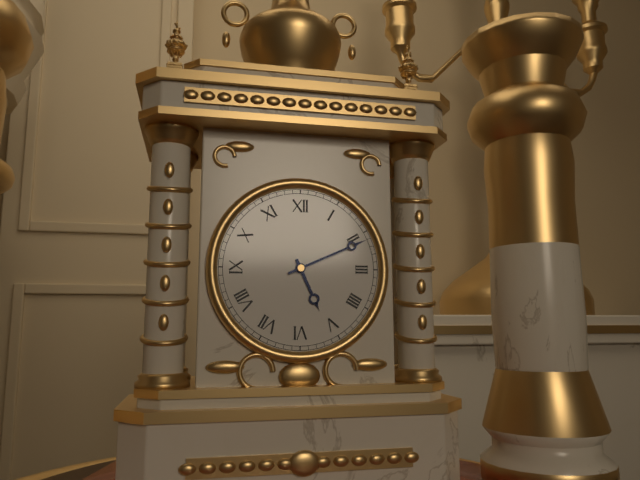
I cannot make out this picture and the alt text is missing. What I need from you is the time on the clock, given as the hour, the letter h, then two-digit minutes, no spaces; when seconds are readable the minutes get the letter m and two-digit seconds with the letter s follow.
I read 5h11
